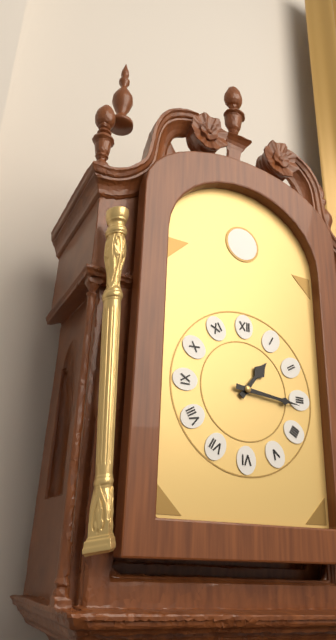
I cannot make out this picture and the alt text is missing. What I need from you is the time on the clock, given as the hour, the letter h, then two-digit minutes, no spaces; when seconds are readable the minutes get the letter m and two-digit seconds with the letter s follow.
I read 1h16
